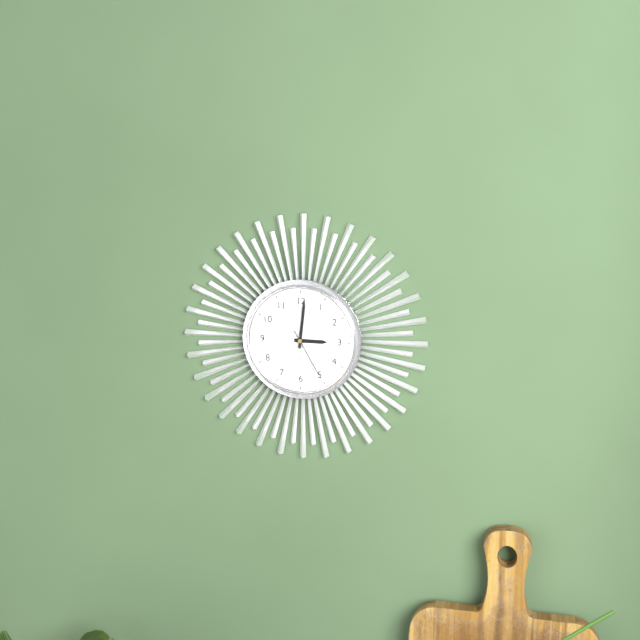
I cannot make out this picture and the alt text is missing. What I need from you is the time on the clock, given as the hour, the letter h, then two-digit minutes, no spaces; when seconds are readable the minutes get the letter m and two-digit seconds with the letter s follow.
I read 3h01m25s
